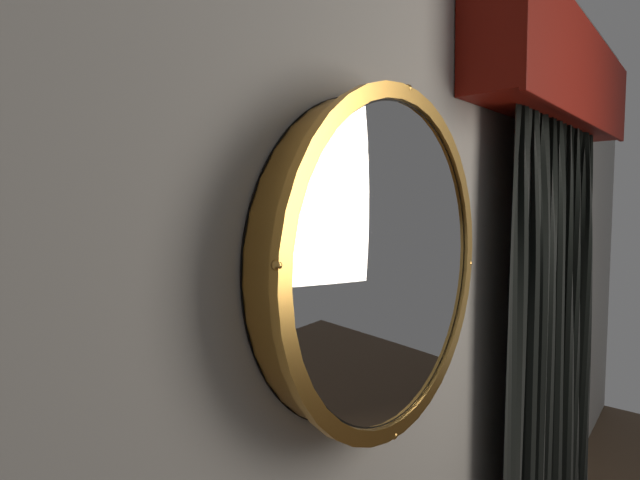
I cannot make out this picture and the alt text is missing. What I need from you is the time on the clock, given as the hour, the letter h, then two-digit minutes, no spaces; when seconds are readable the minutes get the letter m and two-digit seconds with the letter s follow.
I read 2h44
